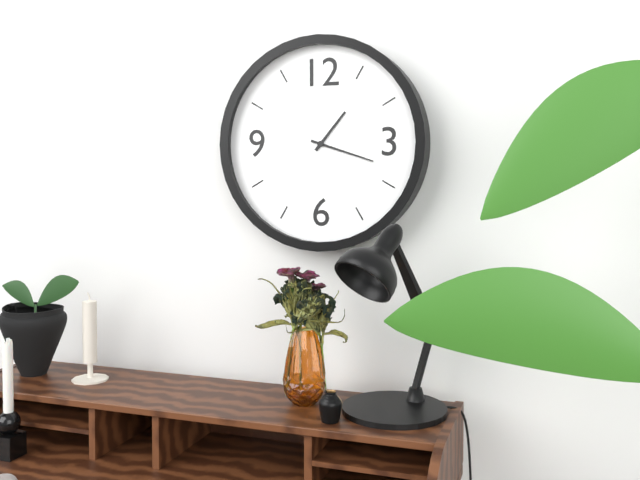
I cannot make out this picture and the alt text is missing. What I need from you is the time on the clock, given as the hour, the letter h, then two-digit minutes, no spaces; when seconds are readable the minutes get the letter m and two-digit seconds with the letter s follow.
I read 1h18
